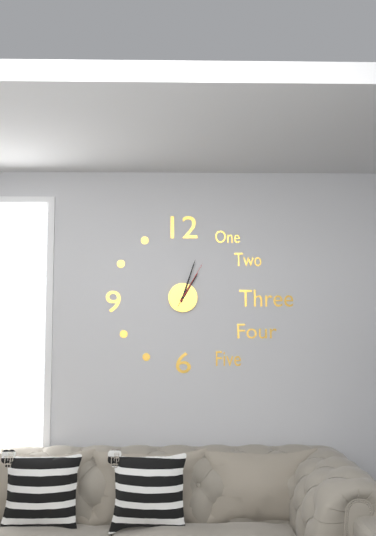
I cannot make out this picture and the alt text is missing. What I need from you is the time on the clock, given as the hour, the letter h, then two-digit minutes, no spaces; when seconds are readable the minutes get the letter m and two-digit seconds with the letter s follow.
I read 1h03m05s
